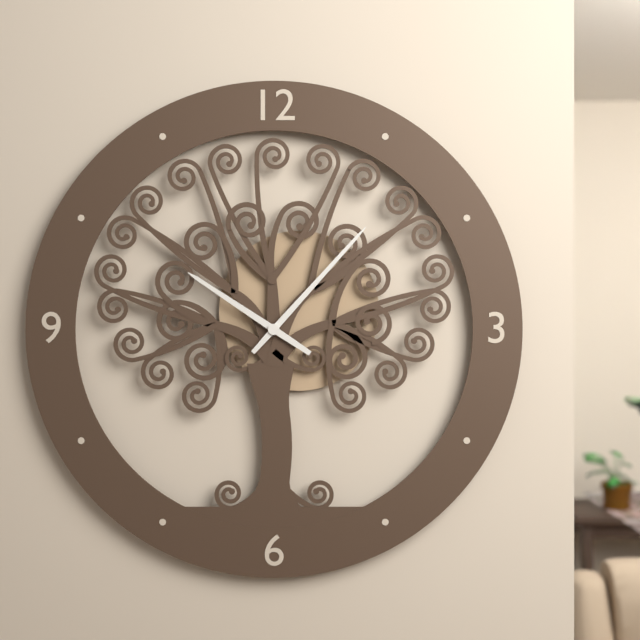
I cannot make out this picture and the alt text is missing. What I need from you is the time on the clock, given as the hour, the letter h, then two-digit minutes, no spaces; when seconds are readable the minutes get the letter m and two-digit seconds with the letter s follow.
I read 10h07
